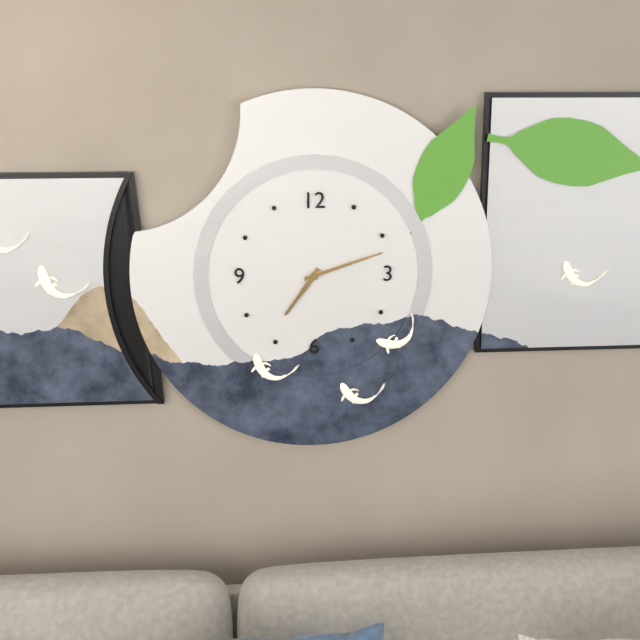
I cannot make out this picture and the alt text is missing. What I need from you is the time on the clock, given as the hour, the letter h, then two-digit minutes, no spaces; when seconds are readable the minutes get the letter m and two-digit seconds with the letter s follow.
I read 7h12
